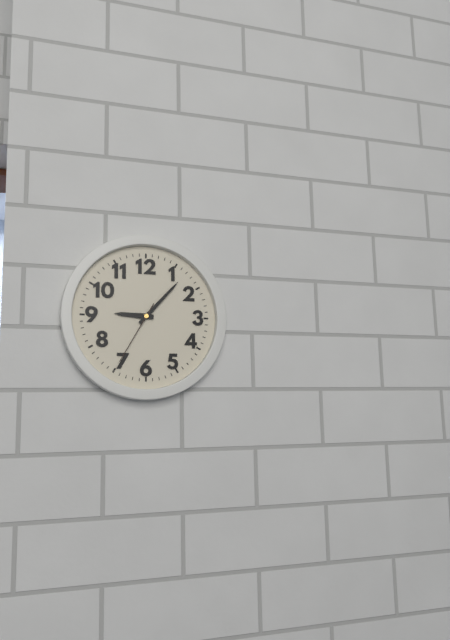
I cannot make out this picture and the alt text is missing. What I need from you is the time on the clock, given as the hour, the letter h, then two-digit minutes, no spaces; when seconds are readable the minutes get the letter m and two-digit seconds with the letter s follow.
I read 9h07m35s
